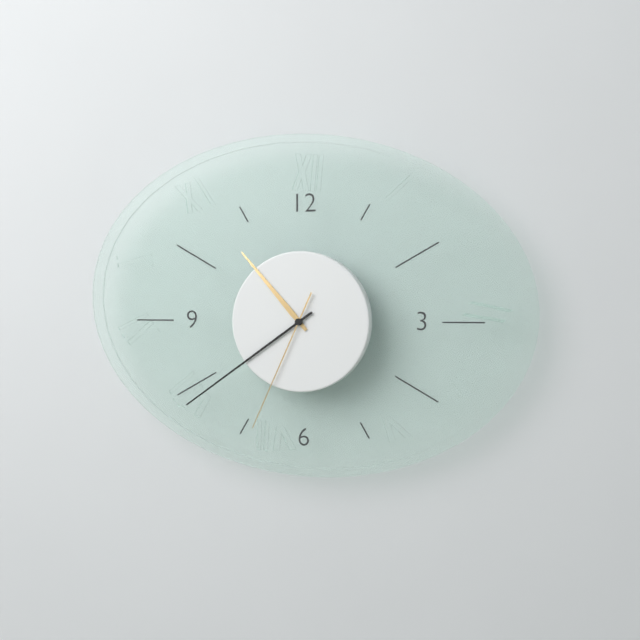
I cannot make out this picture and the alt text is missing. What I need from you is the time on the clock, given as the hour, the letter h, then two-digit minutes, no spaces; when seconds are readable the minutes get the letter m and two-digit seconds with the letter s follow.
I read 10h39m34s
